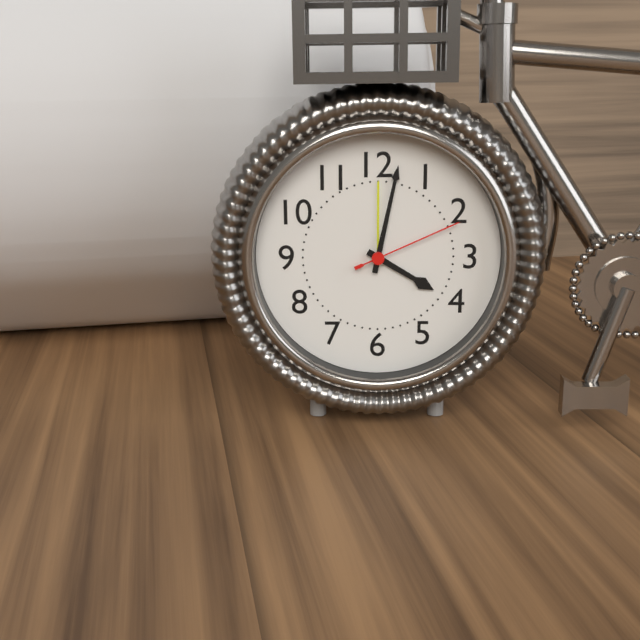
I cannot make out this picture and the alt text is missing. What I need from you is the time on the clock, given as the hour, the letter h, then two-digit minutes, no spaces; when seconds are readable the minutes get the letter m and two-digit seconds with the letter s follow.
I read 4h02m11s
